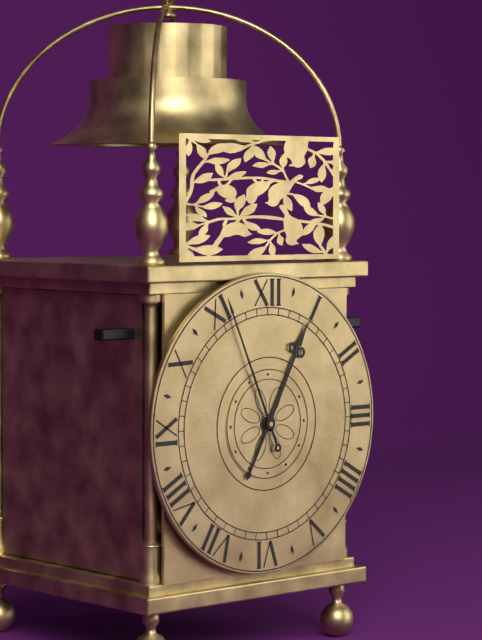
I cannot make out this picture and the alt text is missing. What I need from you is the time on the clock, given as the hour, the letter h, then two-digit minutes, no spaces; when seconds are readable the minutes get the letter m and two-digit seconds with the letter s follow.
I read 12h56
